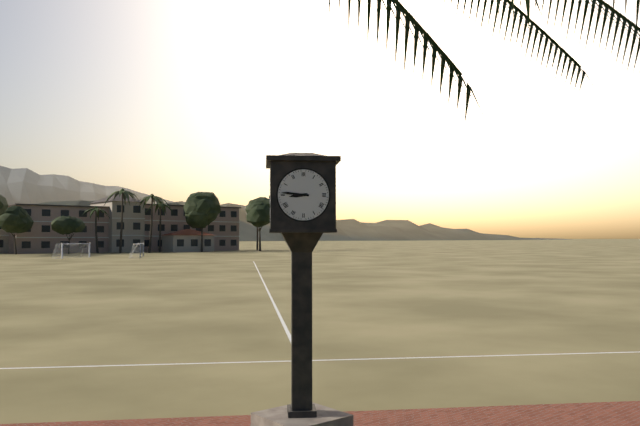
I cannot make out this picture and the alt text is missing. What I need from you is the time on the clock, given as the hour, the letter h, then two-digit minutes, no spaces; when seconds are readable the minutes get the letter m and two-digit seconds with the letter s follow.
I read 8h46
